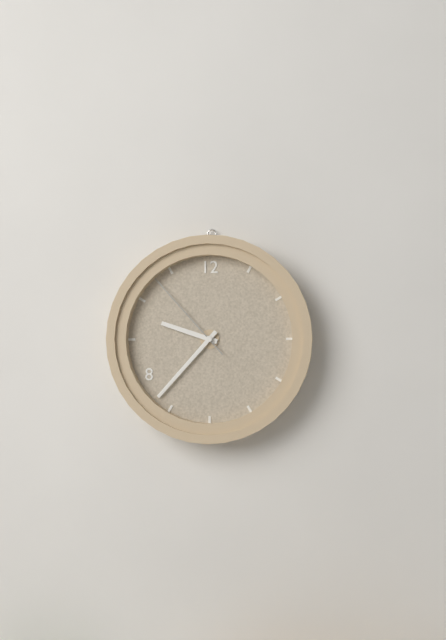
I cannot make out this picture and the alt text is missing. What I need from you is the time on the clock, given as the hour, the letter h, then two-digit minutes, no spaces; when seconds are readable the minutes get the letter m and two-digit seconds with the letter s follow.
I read 9h37m53s
